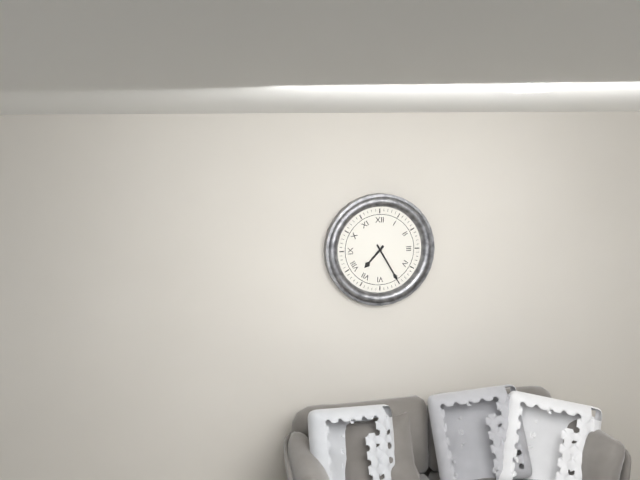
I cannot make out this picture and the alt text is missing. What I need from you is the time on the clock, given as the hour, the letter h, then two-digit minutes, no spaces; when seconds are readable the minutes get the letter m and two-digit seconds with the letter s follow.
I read 7h25
